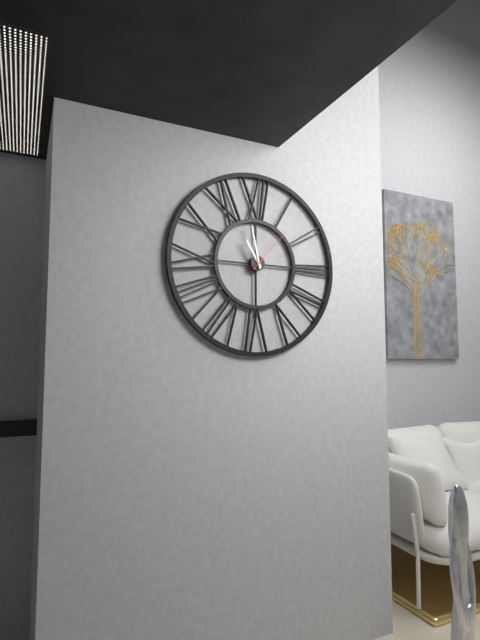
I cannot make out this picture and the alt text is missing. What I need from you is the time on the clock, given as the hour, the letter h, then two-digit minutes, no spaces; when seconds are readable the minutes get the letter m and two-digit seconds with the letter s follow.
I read 10h58m07s
